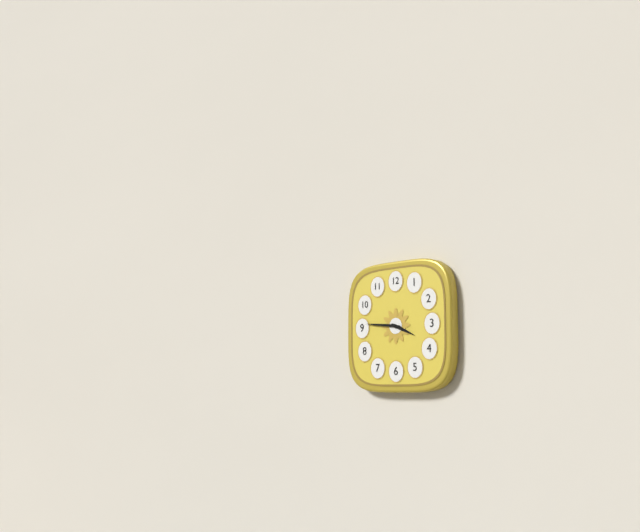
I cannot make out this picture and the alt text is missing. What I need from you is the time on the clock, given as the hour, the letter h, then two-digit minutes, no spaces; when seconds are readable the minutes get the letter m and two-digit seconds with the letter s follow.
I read 3h46
